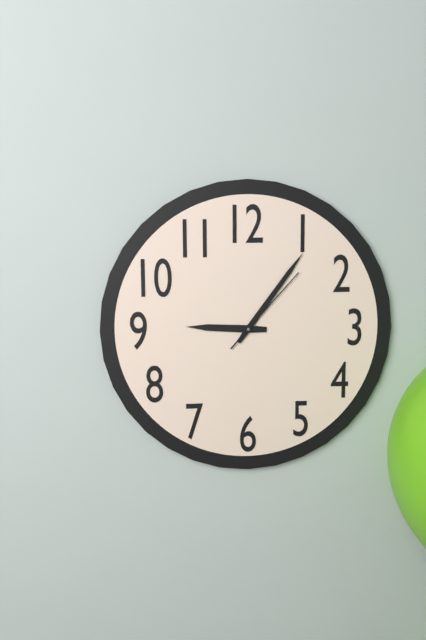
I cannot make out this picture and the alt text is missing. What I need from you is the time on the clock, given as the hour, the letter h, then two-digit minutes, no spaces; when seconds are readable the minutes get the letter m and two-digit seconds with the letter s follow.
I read 9h06m07s
